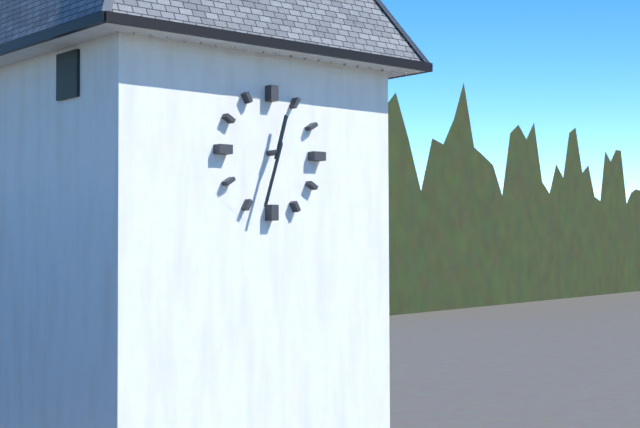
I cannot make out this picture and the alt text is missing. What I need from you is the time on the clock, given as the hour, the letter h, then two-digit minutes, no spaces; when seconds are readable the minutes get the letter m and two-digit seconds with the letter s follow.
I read 12h33
